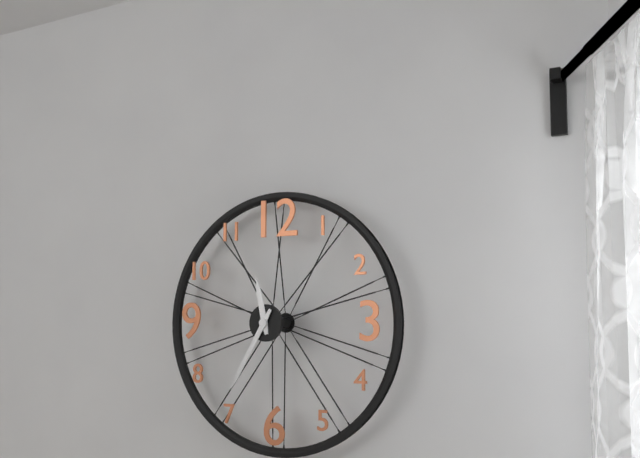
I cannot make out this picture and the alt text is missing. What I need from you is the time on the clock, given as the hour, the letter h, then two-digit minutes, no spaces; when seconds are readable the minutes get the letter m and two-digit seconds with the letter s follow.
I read 11h35
